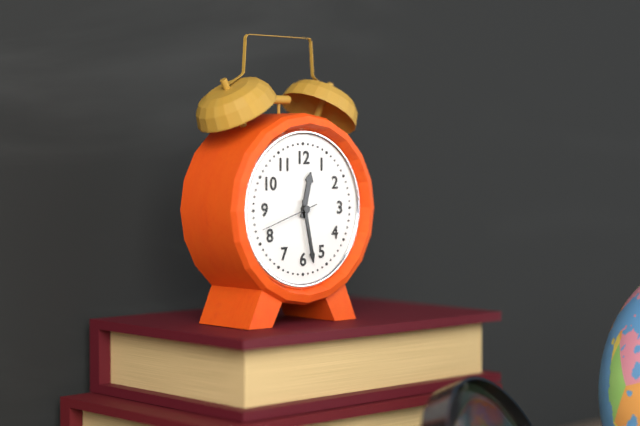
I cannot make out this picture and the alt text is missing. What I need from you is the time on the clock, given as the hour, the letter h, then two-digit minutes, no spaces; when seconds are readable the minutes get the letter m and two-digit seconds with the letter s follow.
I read 12h28m42s
